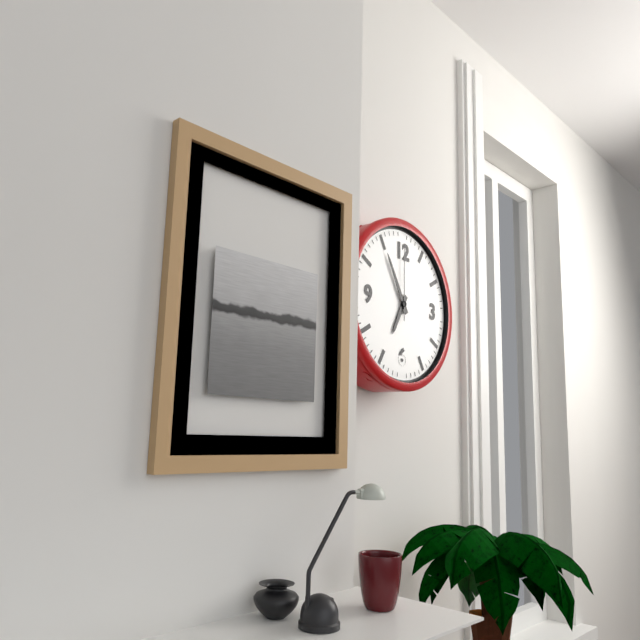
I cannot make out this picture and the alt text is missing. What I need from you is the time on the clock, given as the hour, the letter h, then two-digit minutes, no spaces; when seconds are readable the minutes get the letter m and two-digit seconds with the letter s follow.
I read 6h55m00s
